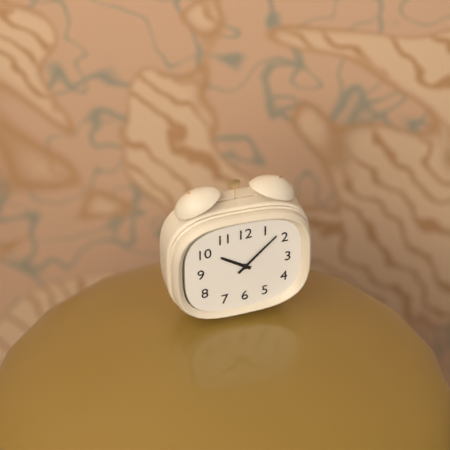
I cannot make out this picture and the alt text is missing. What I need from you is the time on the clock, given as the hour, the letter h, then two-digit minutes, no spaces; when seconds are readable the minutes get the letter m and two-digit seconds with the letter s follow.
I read 10h08
